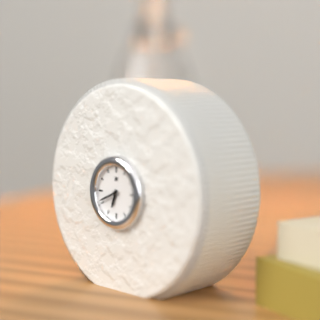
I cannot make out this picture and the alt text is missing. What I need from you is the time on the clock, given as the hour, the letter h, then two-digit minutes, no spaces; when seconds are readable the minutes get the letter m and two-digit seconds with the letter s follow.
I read 6h41
